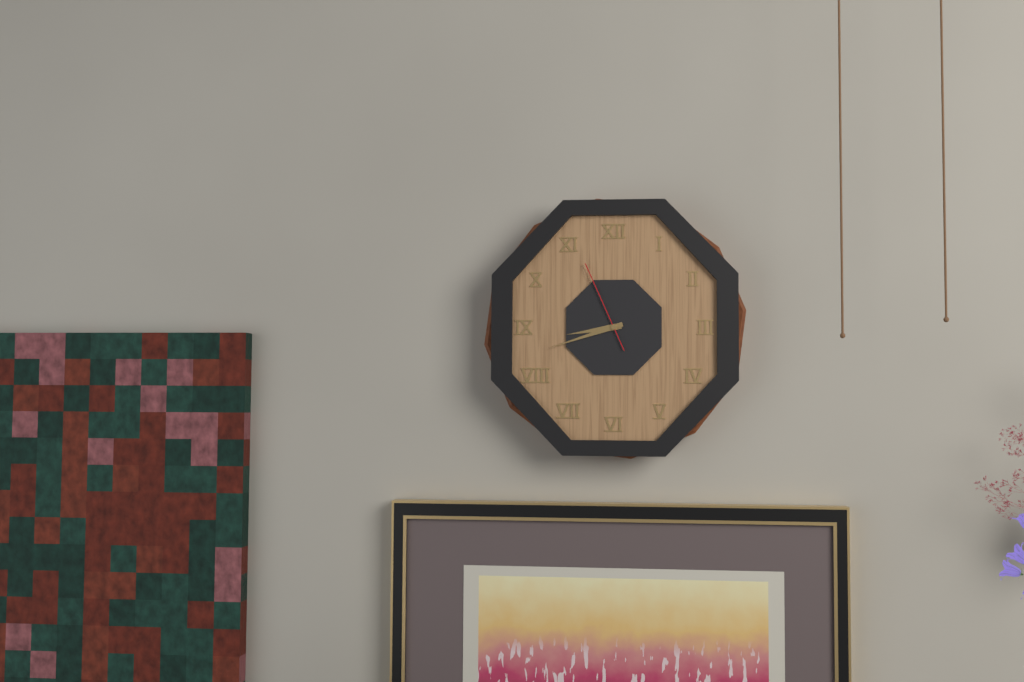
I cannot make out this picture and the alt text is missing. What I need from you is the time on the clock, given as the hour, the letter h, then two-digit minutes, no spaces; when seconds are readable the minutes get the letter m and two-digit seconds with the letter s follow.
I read 8h42m56s
